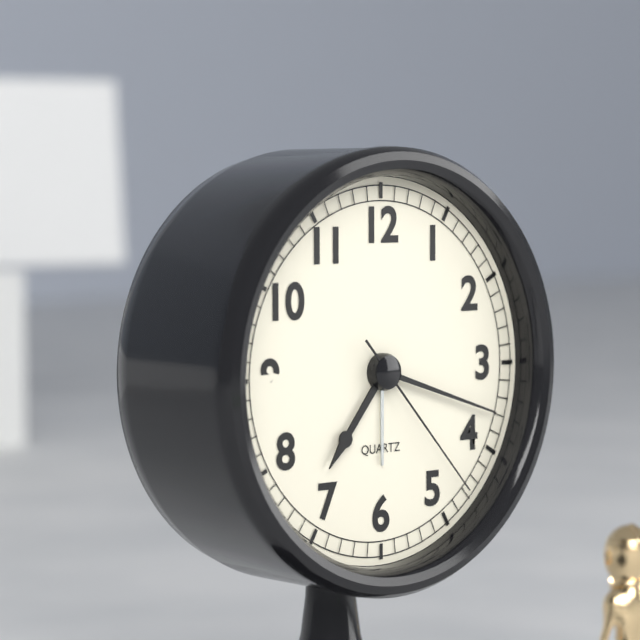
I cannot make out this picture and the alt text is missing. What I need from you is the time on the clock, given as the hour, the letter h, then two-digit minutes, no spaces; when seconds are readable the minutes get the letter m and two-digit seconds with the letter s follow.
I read 7h18m23s
